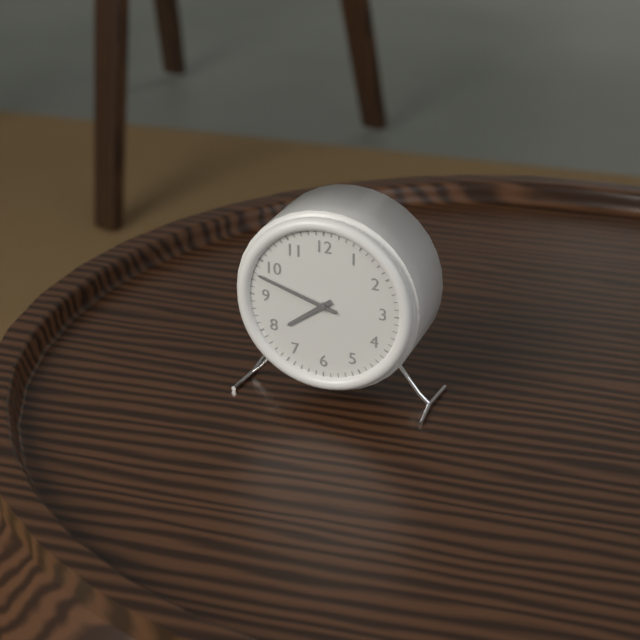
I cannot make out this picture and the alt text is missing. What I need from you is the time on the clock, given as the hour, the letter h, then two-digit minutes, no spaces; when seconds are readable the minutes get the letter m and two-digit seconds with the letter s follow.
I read 7h48
